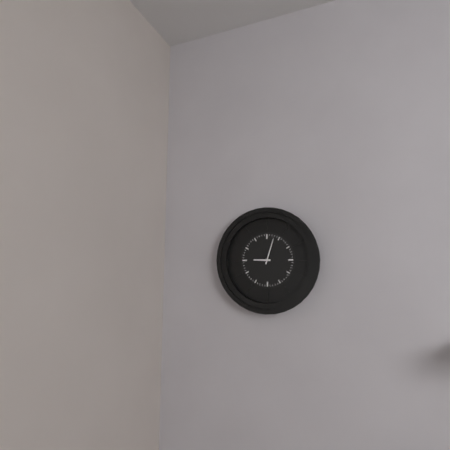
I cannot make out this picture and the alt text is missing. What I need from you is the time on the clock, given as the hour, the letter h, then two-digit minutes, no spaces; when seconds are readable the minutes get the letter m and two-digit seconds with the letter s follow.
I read 9h03
